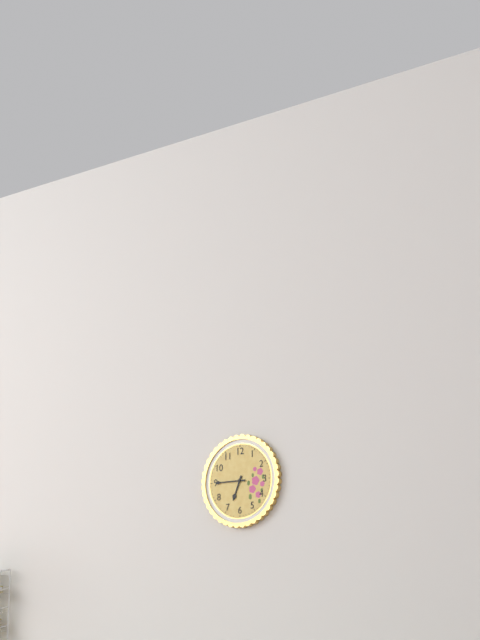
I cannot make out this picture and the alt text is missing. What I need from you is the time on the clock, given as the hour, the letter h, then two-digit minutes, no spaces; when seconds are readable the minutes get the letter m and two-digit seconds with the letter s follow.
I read 6h45
